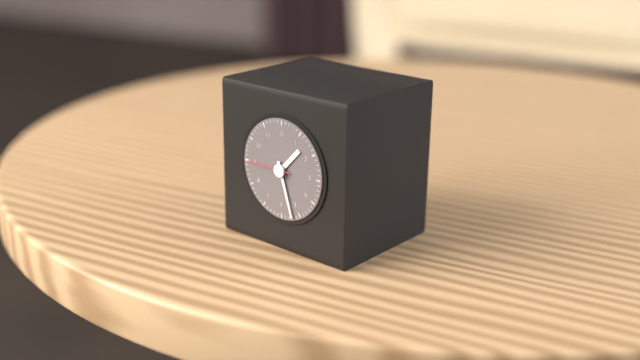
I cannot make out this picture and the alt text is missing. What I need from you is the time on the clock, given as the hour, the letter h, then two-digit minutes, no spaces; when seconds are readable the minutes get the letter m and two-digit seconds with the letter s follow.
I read 1h27
